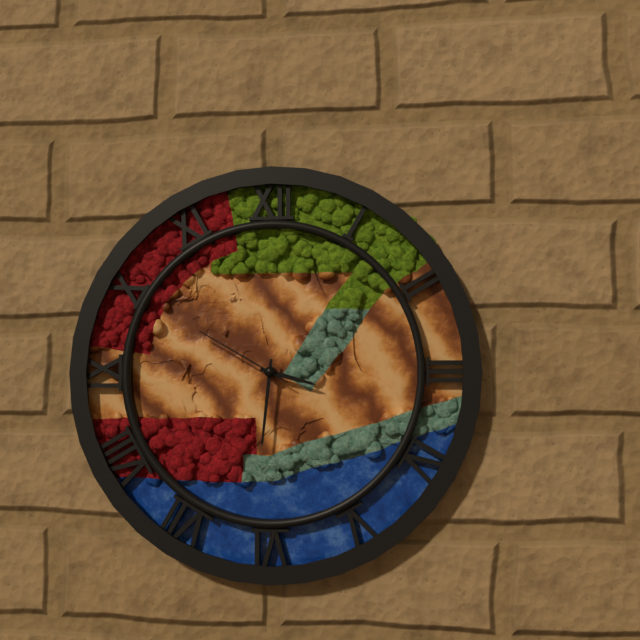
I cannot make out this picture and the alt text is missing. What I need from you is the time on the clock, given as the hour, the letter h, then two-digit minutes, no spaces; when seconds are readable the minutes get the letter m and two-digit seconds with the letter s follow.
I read 3h31m50s
